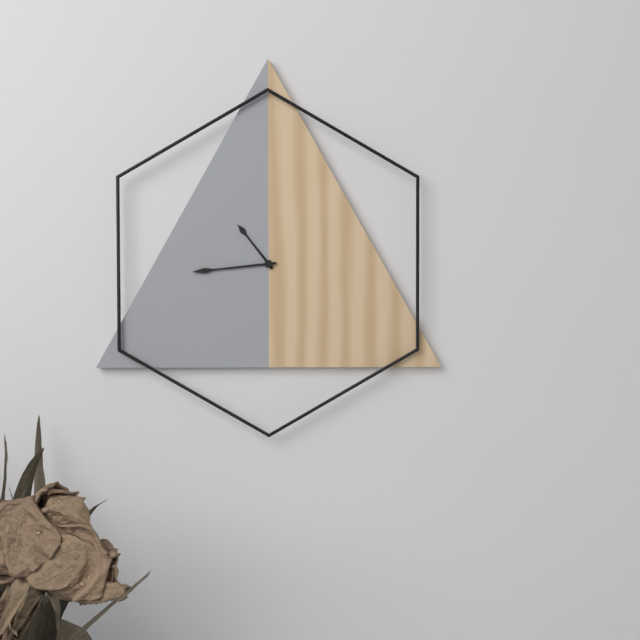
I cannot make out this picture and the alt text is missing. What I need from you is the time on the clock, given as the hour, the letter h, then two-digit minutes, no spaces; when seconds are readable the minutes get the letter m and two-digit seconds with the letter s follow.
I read 10h44
